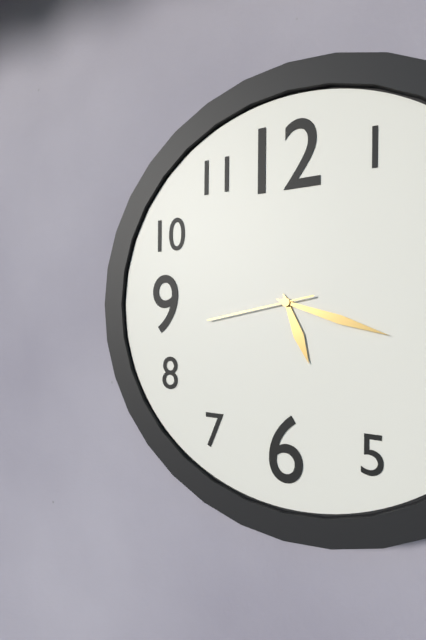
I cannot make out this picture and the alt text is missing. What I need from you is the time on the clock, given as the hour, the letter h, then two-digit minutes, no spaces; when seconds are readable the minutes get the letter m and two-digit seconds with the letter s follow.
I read 5h18m43s
